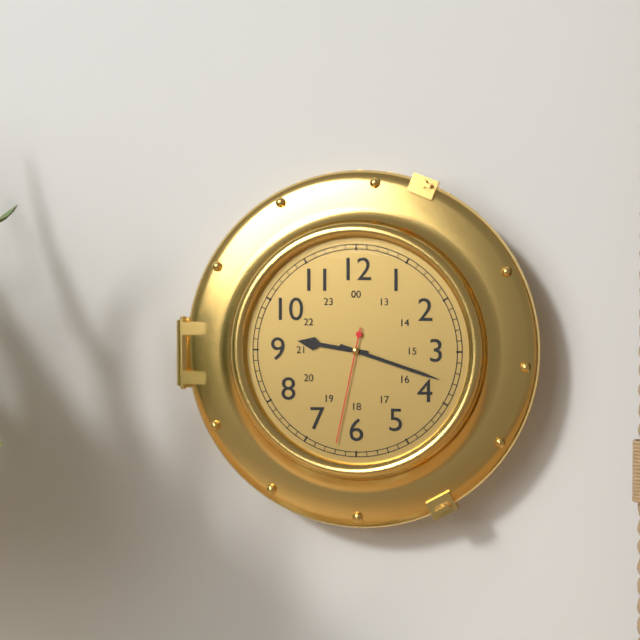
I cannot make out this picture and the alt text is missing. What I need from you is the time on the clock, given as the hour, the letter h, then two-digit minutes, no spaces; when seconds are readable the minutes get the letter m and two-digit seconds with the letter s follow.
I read 9h18m32s
